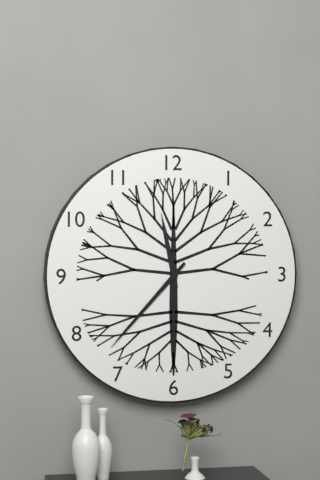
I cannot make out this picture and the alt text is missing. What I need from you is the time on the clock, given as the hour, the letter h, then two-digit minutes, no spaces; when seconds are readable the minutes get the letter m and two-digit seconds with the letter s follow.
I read 11h37
